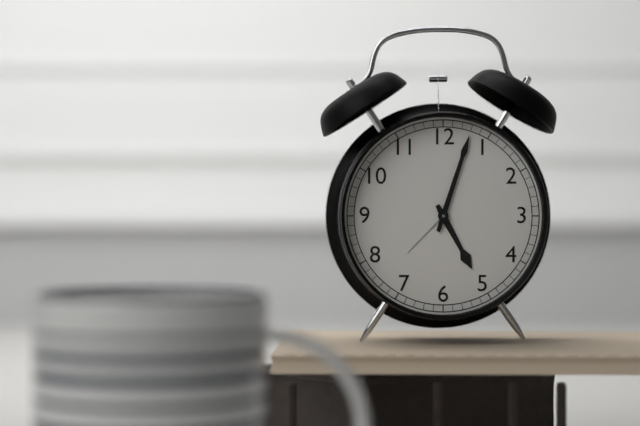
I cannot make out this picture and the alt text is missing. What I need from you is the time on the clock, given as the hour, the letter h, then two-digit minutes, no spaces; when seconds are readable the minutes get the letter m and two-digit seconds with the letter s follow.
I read 5h03
